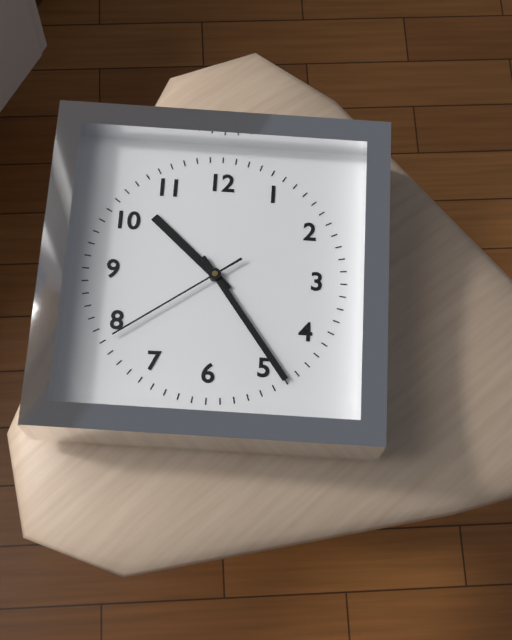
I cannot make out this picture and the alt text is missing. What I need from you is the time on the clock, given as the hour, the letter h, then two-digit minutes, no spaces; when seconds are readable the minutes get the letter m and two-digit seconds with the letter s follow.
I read 10h24m39s
